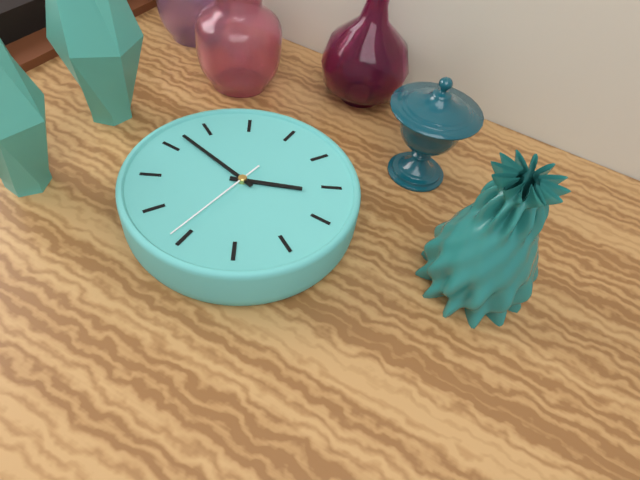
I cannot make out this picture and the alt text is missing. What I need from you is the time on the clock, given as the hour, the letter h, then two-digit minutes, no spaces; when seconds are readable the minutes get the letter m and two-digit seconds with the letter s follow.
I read 7h12m56s
